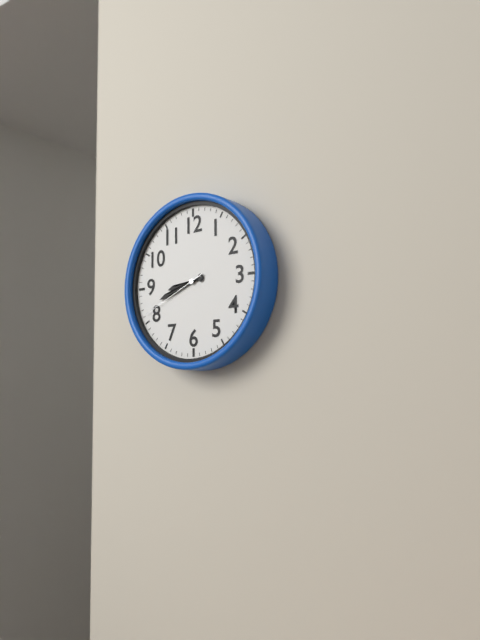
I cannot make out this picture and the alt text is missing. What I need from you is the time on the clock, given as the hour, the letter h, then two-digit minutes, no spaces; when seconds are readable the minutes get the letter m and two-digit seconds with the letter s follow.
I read 8h42m41s
